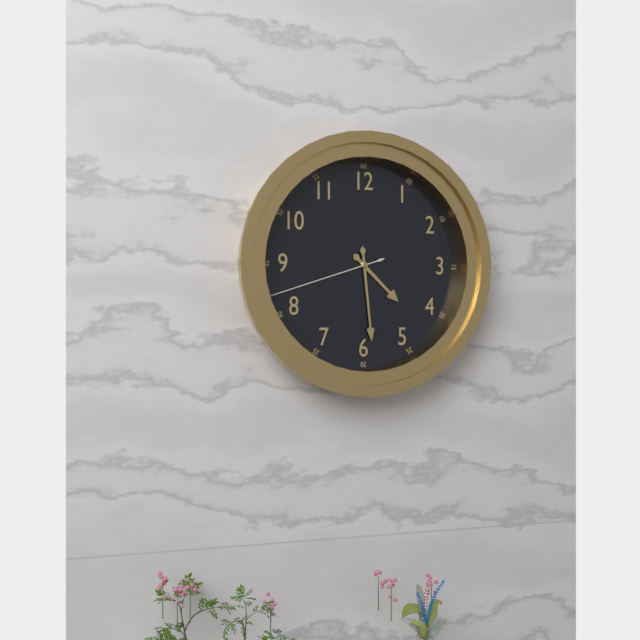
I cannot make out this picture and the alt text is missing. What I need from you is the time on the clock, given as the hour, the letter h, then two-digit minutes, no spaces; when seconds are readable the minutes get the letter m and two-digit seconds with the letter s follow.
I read 4h29m42s
